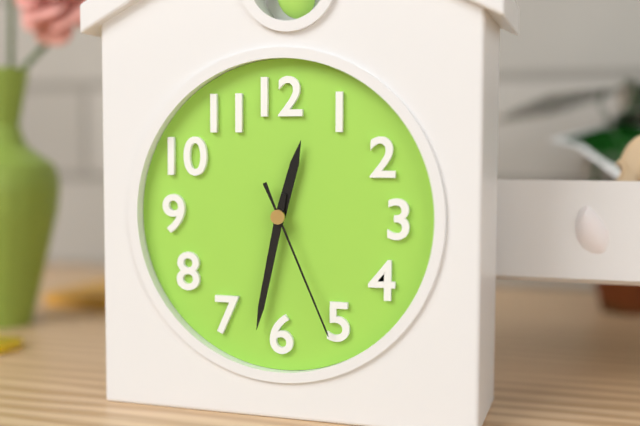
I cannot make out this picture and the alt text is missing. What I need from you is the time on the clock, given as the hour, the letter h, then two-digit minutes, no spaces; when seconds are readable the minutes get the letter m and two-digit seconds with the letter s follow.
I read 12h32m26s
